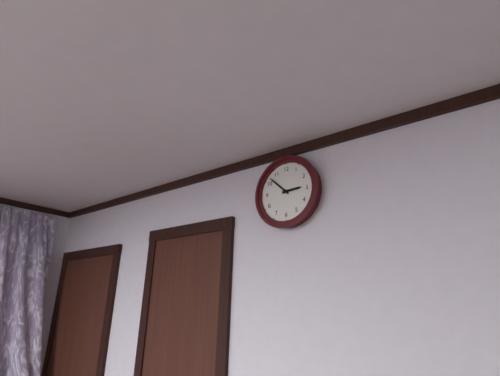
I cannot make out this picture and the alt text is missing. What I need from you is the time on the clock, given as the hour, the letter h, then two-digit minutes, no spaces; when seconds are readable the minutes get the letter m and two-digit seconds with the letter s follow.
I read 2h52
